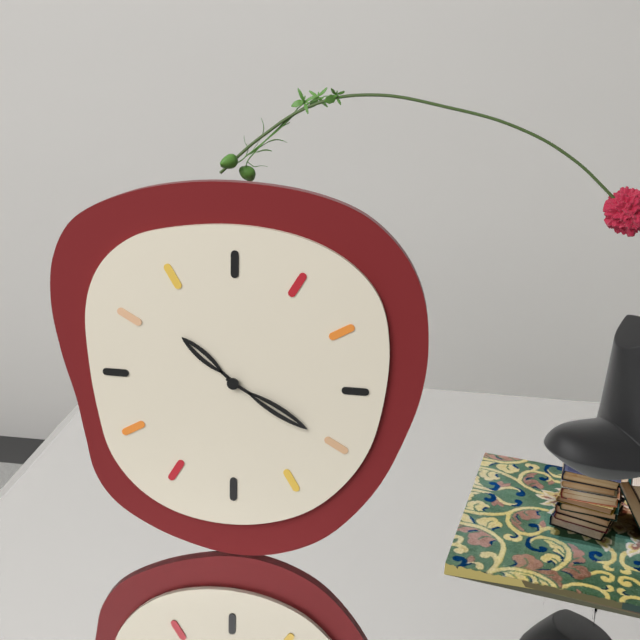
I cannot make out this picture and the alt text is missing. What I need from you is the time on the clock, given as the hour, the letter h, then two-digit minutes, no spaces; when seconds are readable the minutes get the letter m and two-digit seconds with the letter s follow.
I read 10h20
